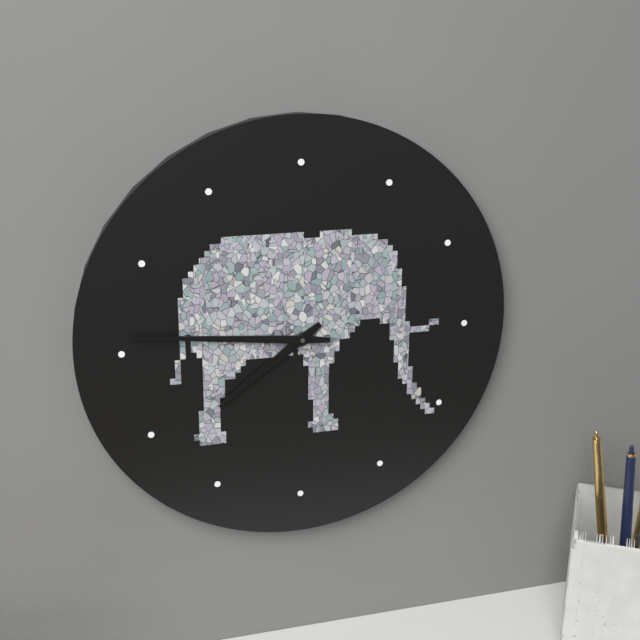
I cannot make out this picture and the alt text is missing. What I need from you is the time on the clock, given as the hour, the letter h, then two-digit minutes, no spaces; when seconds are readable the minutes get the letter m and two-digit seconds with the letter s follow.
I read 7h46
